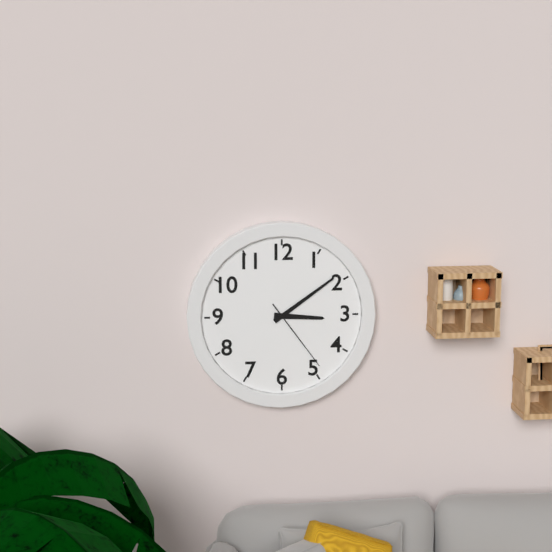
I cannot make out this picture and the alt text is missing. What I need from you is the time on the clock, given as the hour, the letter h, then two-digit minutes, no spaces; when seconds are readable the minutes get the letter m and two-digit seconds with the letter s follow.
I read 3h09m24s
